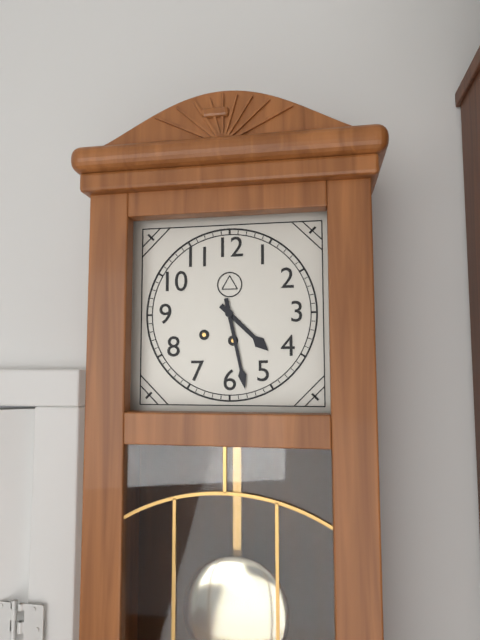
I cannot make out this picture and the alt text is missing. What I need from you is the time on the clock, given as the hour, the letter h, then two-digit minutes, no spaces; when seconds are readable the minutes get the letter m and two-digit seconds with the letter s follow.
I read 4h28
